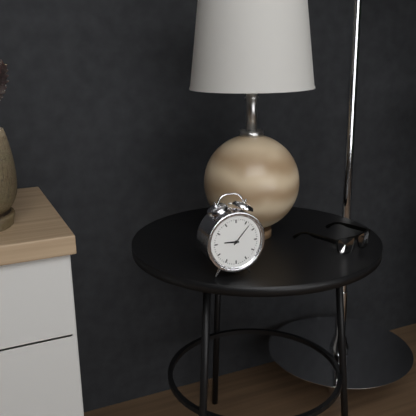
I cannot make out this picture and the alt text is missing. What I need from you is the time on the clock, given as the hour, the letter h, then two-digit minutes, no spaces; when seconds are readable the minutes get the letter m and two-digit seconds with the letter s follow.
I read 9h07
